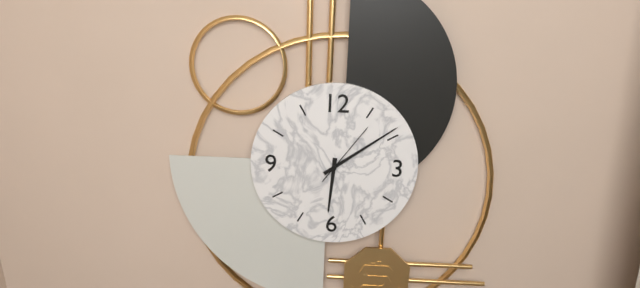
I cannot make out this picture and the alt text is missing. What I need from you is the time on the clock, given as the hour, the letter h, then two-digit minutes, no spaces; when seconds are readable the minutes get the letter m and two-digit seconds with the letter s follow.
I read 6h09m06s
